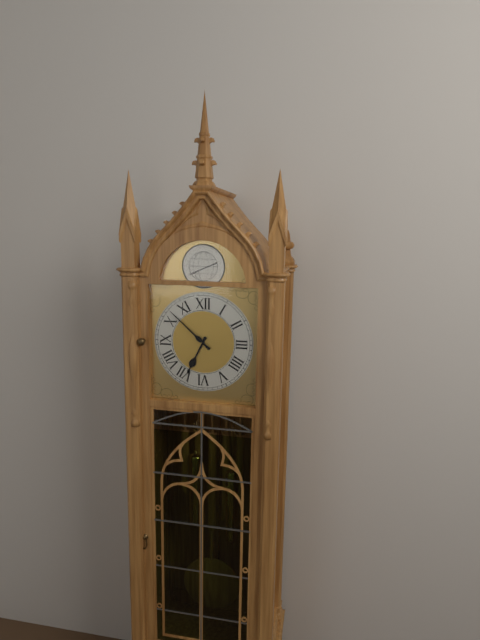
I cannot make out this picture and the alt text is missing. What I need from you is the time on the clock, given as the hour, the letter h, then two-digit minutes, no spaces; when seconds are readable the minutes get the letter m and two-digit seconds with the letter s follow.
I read 6h52
